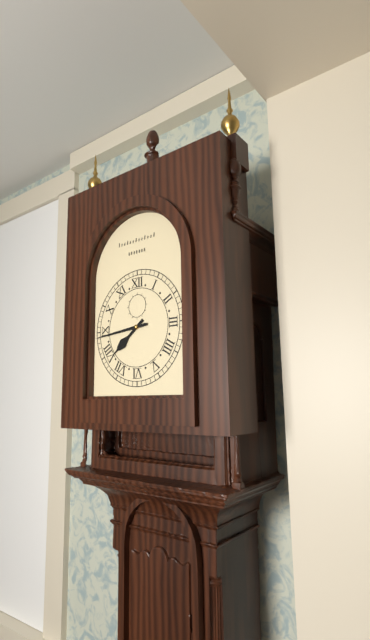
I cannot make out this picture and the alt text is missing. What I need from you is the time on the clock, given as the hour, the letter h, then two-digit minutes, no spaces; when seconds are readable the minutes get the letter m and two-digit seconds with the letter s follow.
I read 7h44
